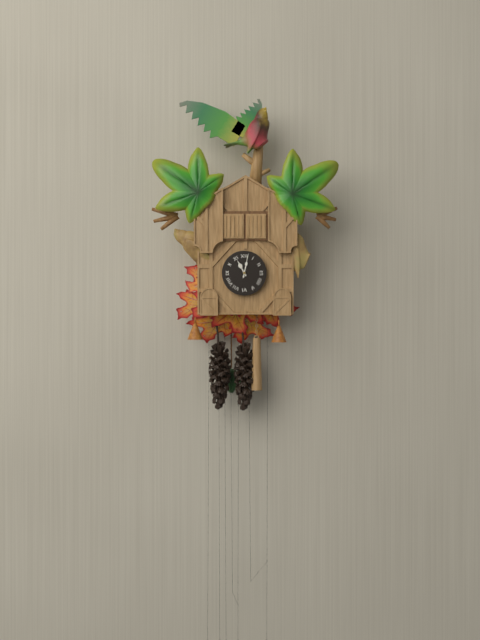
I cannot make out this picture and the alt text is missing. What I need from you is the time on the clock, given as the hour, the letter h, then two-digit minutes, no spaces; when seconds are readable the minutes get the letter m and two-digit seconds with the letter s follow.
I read 11h02
